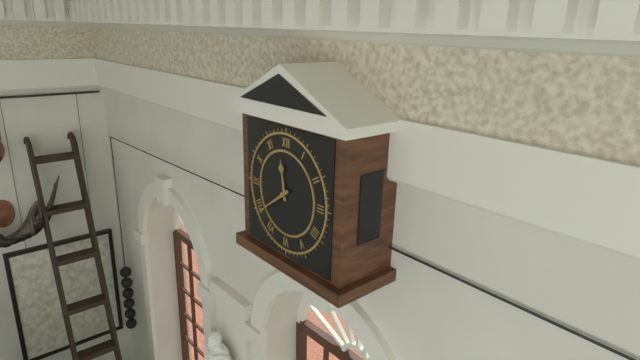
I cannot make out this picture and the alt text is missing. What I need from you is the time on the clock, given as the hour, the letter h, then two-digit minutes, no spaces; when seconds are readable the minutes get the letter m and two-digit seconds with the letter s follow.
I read 11h39
